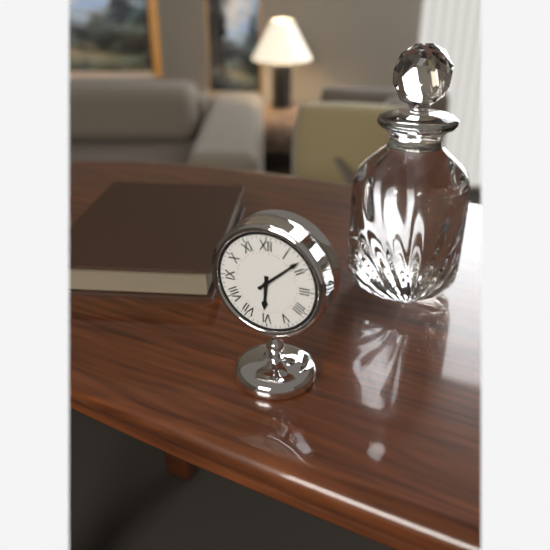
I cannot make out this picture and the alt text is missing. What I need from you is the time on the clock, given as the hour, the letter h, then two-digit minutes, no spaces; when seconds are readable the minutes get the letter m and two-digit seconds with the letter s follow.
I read 6h08
